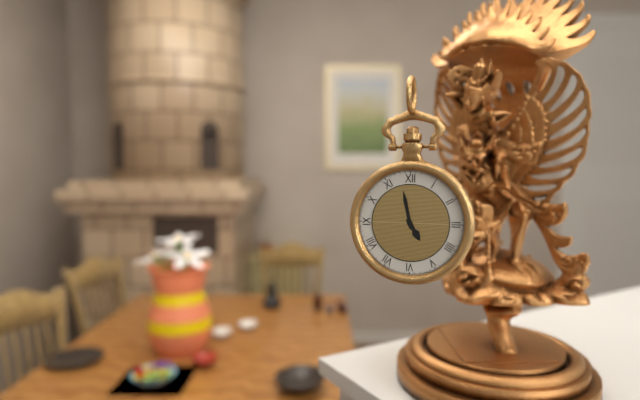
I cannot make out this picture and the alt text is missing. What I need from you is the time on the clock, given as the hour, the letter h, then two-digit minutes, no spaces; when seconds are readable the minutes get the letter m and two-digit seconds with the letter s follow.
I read 4h58
